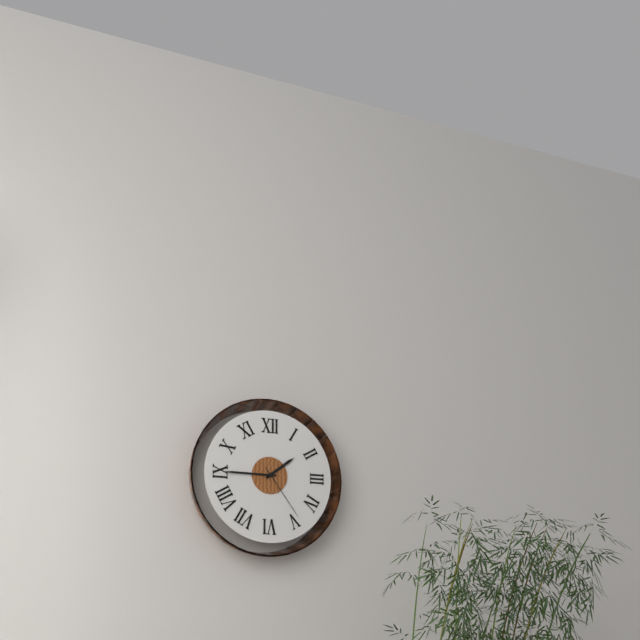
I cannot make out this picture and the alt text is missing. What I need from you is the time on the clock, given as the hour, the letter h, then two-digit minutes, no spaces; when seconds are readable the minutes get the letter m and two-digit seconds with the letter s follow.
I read 1h45m24s
